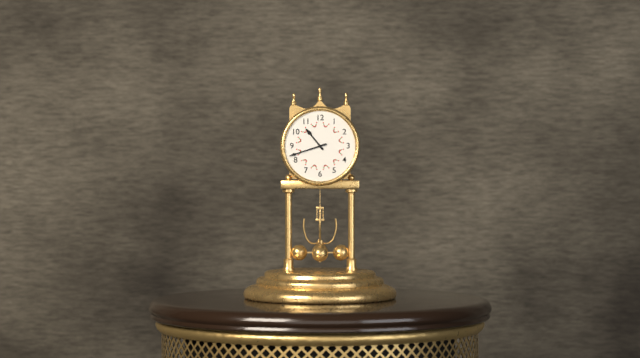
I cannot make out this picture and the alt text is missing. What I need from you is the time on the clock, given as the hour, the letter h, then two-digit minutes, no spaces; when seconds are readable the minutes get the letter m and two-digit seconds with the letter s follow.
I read 10h42
